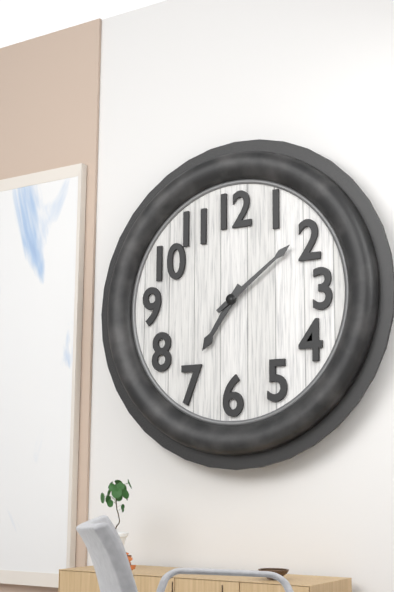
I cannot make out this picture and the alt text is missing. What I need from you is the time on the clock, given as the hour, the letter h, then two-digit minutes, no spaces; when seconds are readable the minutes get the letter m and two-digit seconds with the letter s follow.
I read 7h09
